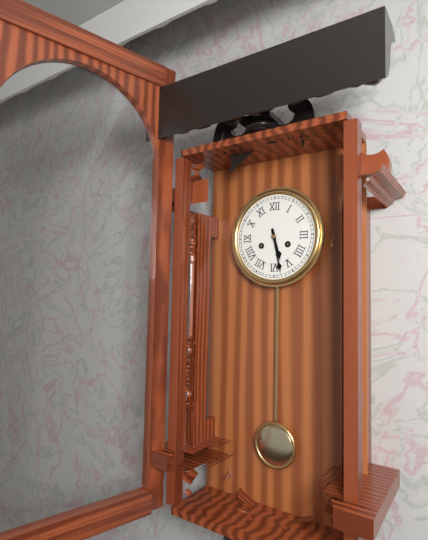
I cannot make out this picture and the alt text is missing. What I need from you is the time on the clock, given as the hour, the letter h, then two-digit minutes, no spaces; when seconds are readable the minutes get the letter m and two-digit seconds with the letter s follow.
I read 5h28
